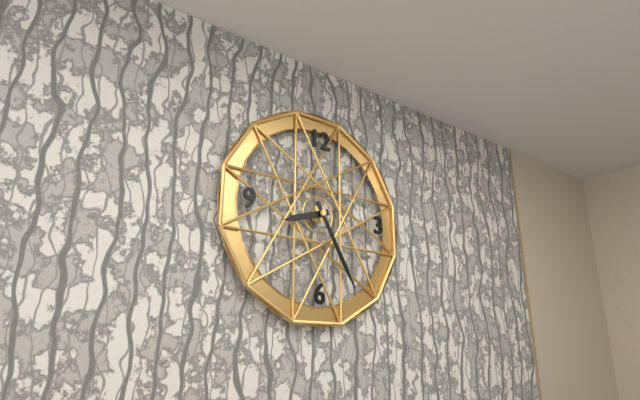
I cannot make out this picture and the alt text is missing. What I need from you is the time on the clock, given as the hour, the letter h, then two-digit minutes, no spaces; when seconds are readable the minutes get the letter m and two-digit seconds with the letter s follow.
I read 8h25
